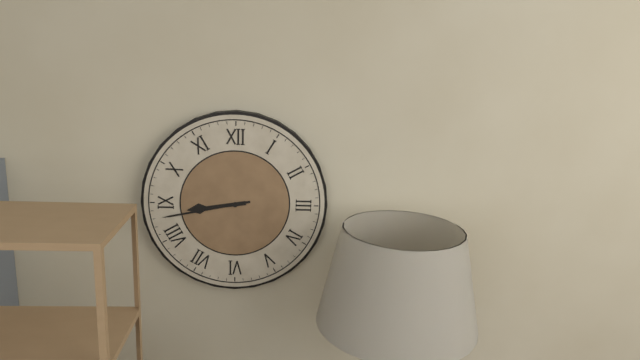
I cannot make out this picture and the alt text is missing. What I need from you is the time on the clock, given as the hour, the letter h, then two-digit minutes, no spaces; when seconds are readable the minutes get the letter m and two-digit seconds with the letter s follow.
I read 8h43
